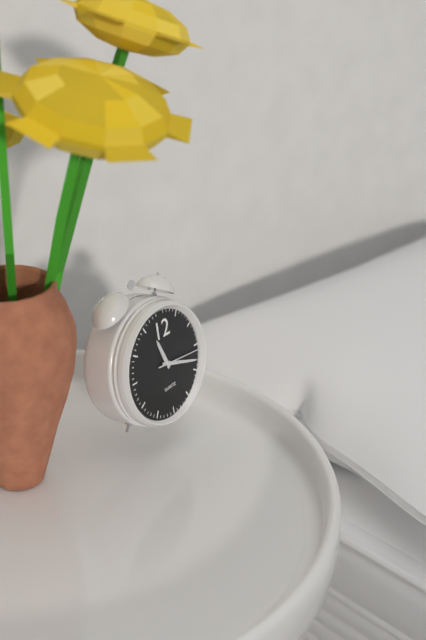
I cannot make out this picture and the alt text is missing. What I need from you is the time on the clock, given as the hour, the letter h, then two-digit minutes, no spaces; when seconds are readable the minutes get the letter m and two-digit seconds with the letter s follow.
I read 11h18
